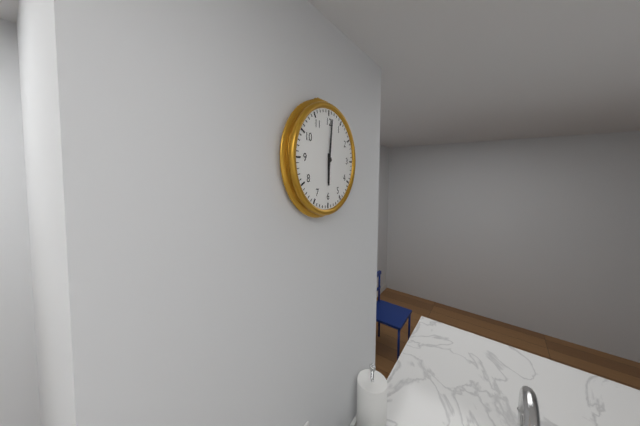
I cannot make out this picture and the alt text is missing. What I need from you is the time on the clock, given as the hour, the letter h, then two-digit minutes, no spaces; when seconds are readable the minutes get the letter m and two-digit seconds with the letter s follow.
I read 6h01
